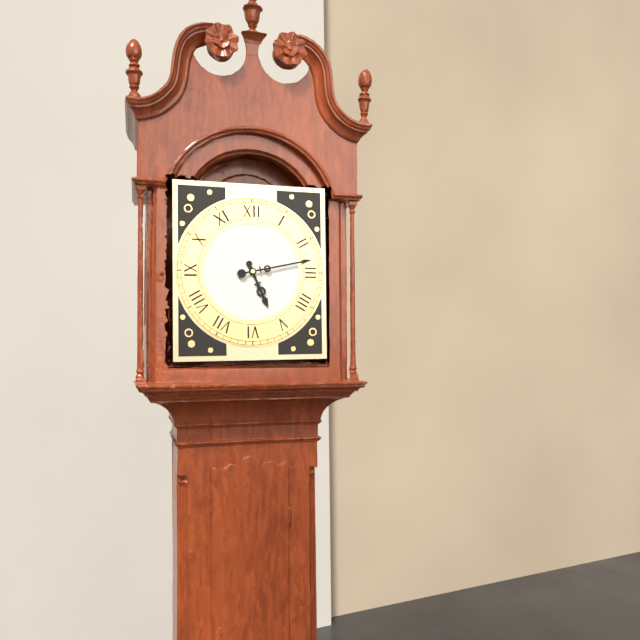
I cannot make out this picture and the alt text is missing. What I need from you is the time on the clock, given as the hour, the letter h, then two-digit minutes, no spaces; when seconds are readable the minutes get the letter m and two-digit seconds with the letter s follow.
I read 5h13
